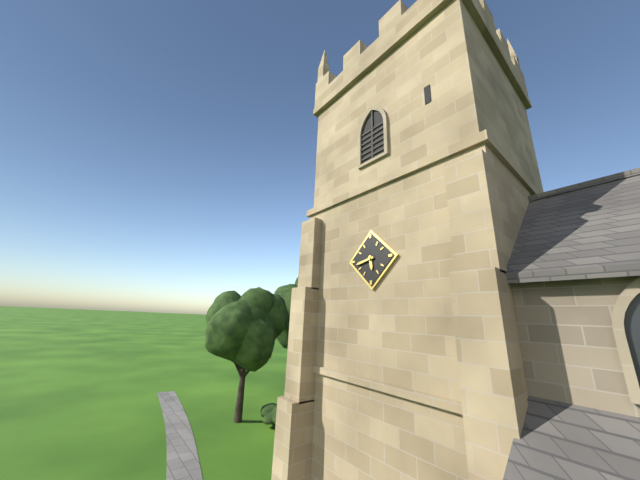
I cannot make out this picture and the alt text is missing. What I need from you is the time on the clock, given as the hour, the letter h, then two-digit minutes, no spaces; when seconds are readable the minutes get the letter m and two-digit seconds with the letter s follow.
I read 5h43
